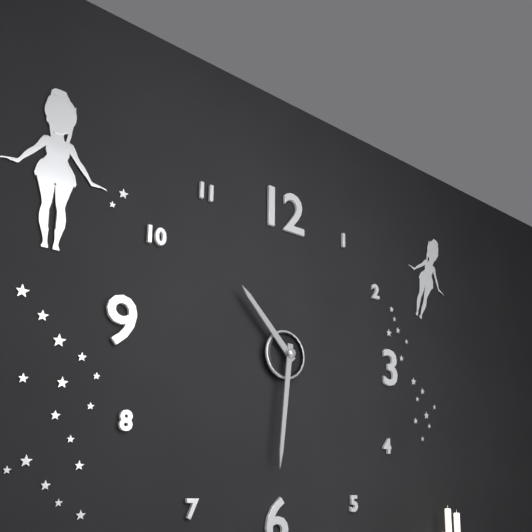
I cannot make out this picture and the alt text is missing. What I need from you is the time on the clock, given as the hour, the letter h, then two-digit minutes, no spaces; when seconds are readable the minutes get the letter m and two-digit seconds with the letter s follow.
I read 10h31
